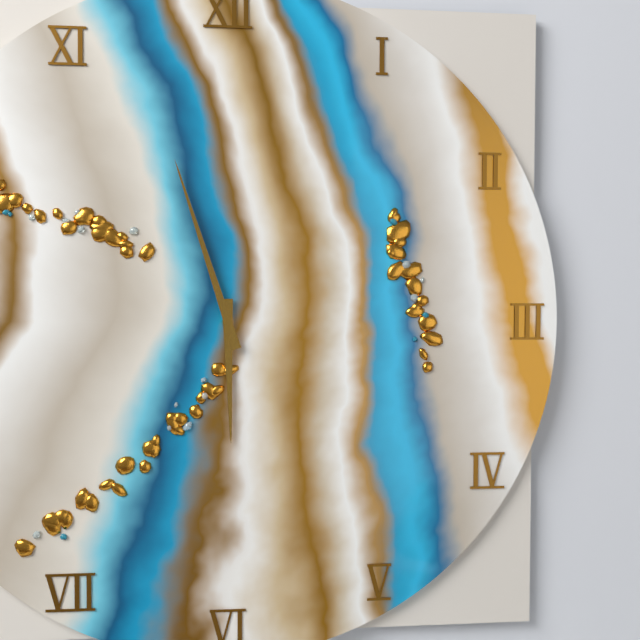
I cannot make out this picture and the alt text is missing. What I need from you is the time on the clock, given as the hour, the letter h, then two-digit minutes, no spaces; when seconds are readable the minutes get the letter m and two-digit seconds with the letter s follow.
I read 5h57
